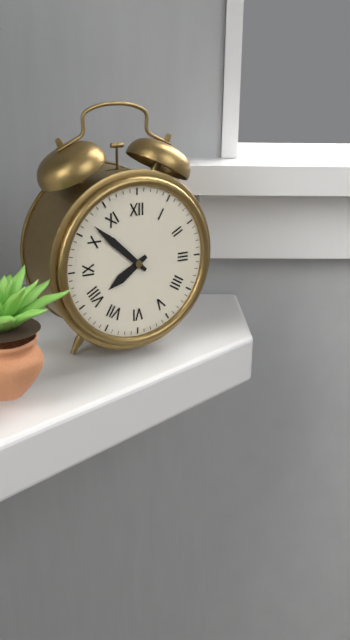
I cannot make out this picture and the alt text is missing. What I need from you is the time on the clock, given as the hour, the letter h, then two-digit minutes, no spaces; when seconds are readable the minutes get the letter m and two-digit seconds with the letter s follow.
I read 7h52
